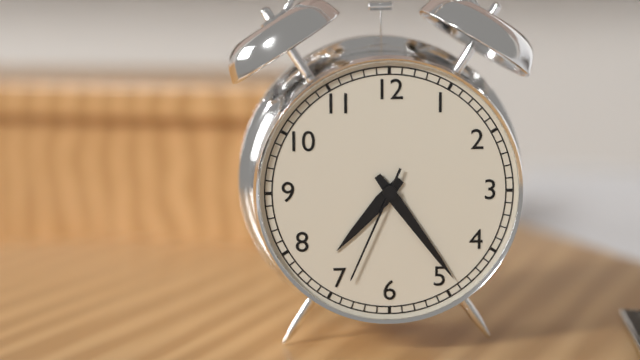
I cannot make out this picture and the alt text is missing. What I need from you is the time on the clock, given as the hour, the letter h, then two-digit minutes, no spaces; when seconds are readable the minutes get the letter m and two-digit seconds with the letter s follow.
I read 7h24m34s
